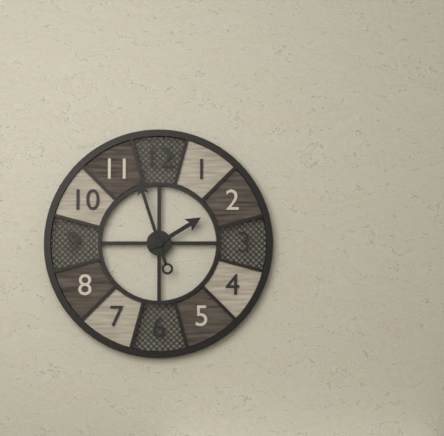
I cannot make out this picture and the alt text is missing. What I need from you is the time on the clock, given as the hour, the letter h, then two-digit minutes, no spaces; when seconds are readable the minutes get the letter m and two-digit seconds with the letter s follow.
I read 1h57
